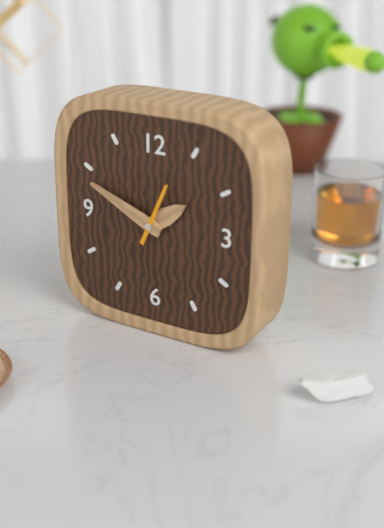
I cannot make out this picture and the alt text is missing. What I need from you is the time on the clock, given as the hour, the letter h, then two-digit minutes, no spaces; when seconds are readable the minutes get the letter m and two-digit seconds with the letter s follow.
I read 1h49
